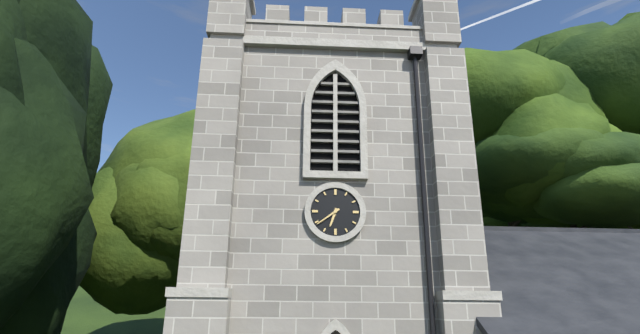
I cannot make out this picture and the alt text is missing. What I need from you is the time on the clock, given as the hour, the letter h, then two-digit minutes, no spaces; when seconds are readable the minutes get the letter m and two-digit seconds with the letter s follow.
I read 6h39
